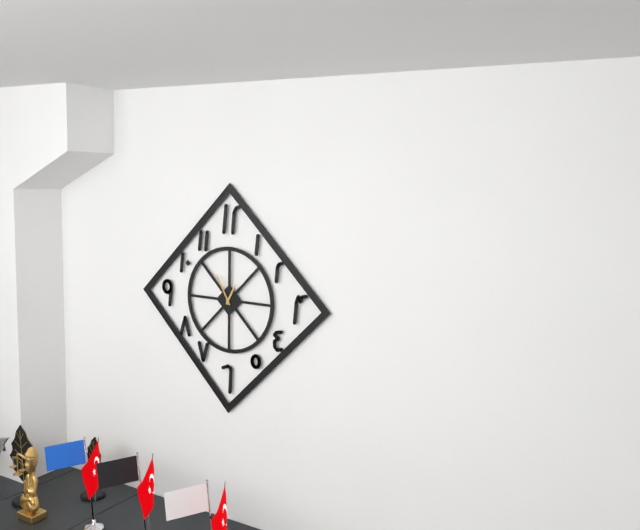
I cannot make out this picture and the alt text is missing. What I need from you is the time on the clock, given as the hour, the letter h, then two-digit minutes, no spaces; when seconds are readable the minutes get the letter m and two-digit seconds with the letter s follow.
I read 12h55
